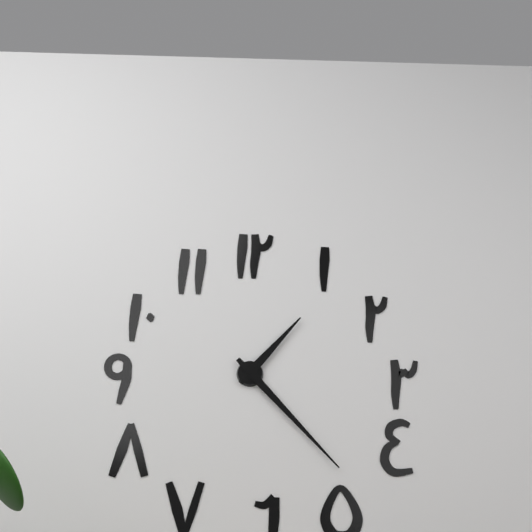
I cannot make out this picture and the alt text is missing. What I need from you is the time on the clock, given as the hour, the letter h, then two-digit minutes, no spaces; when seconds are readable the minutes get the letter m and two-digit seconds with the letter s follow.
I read 1h23
